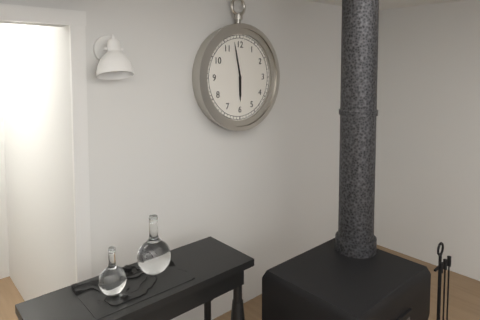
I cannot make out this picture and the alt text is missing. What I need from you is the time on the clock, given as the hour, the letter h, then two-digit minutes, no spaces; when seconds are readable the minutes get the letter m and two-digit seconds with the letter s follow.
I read 5h58
